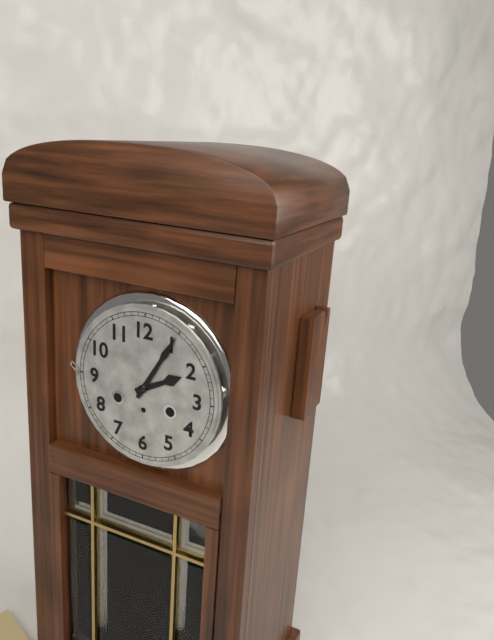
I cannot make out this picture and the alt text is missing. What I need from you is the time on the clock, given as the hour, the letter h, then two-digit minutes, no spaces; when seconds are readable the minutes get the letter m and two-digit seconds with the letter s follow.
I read 2h05
